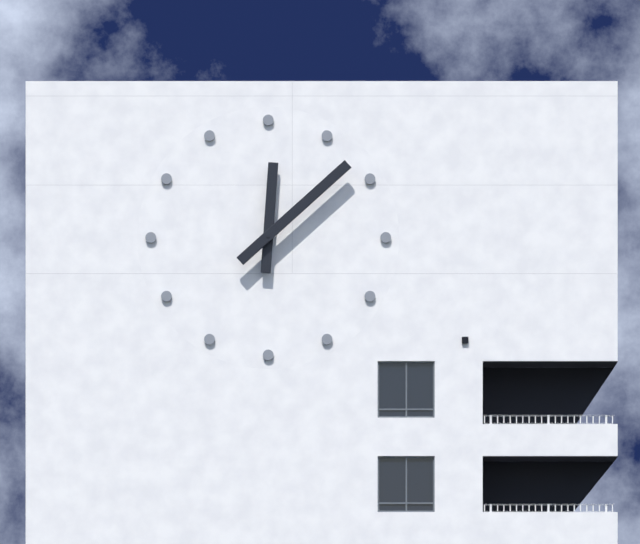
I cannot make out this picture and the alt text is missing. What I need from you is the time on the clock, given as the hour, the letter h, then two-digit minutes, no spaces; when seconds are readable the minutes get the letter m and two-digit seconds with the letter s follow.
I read 12h08
